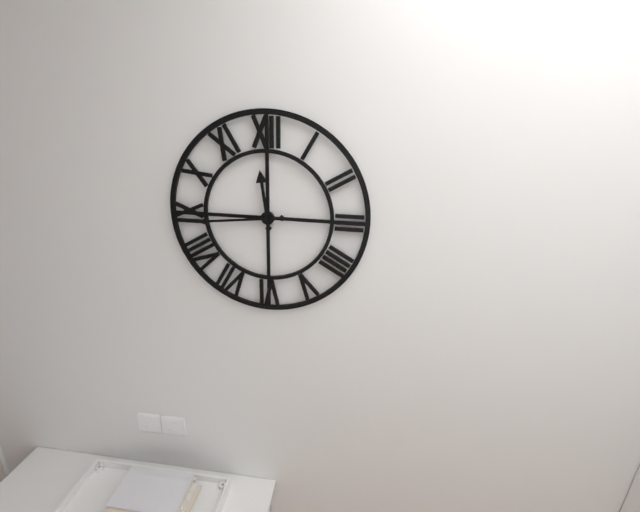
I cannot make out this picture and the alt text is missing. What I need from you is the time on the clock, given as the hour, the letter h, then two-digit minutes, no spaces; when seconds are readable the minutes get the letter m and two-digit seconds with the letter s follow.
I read 11h44
